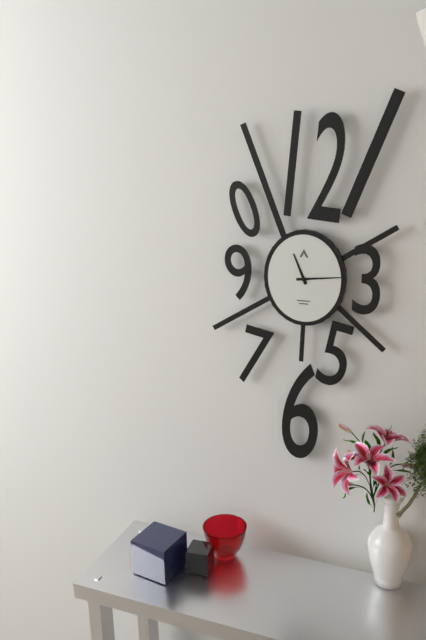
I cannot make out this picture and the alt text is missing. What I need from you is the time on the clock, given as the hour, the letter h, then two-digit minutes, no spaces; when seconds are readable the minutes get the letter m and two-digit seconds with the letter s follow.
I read 11h14
